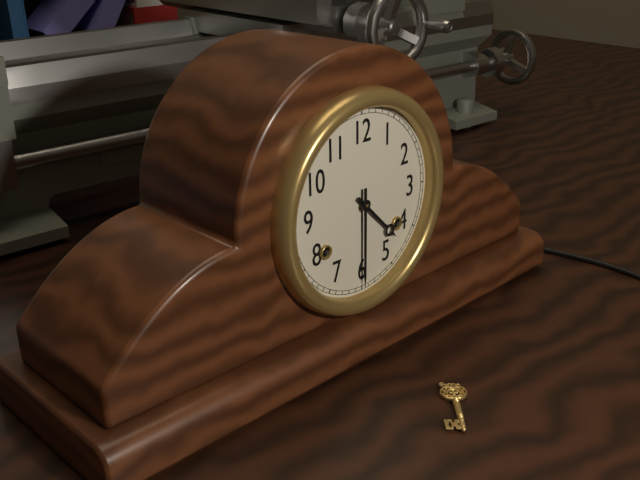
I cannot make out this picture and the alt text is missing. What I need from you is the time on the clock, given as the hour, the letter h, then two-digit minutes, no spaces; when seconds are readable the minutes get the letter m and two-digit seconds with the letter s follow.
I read 4h30
